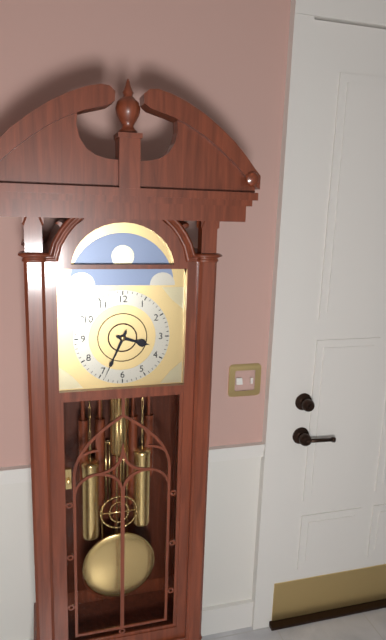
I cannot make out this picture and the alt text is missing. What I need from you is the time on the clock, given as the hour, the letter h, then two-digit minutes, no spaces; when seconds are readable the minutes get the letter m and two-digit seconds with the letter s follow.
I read 3h34
